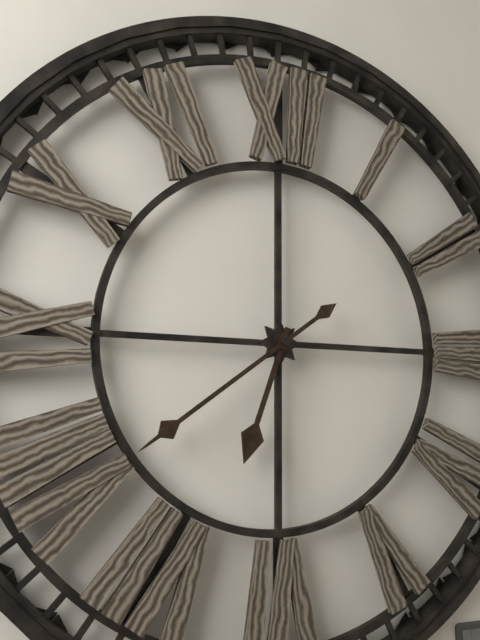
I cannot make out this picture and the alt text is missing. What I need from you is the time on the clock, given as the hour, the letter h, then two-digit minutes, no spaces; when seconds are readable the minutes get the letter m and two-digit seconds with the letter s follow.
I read 6h39
